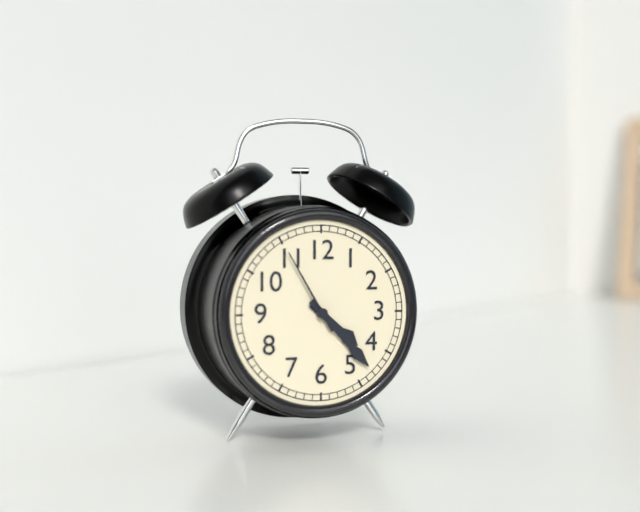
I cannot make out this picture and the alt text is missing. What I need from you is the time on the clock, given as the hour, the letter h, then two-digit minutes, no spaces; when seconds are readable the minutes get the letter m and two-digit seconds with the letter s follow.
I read 4h23m55s
